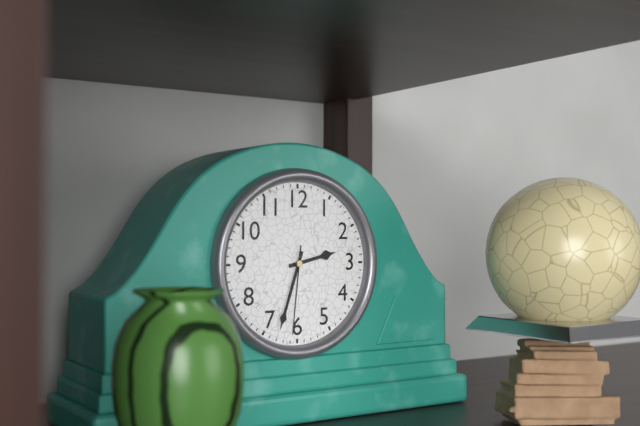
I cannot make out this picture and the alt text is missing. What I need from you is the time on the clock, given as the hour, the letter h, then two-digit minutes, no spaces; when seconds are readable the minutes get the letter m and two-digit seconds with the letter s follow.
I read 2h33m31s
